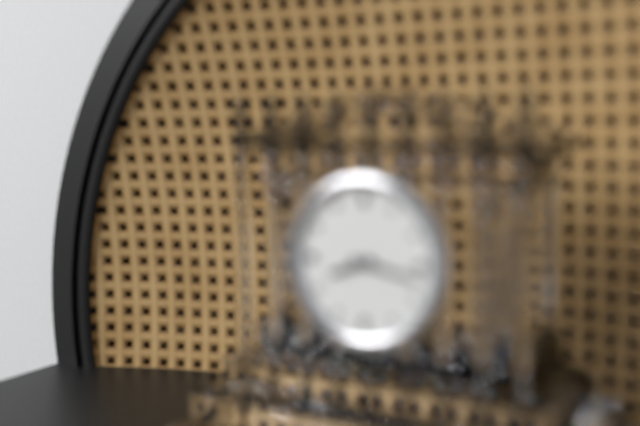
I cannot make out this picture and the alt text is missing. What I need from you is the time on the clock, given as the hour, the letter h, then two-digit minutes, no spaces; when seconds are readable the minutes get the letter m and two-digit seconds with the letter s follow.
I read 8h17
